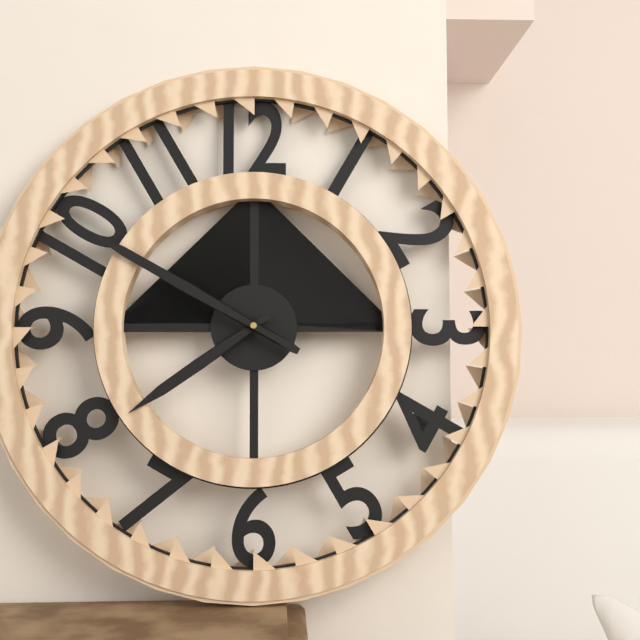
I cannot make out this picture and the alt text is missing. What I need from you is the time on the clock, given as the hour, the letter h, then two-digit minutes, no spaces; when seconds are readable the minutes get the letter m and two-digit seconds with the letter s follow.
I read 7h50
